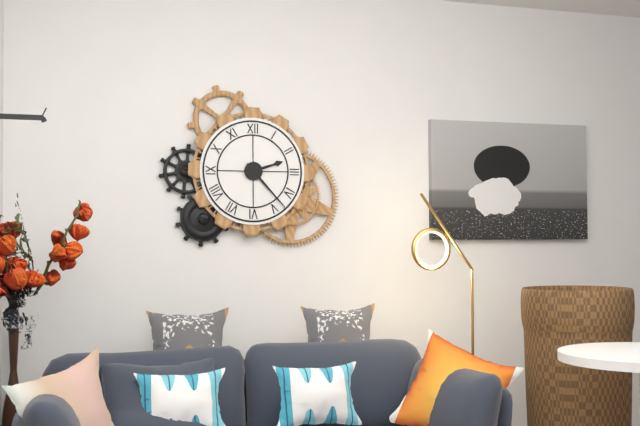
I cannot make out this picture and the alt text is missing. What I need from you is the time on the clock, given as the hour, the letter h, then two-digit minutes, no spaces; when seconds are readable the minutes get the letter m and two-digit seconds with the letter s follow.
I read 2h23
